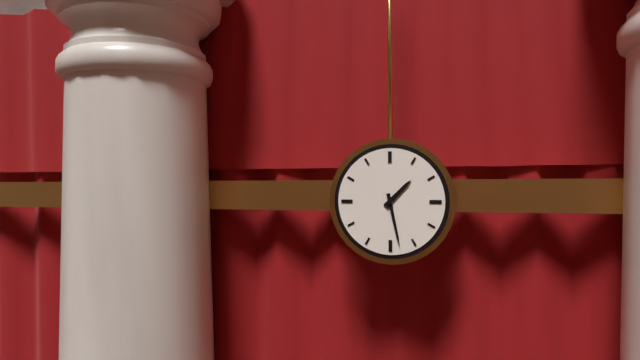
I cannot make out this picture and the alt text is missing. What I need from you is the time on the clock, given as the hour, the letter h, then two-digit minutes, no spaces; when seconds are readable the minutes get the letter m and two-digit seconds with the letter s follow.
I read 1h28
